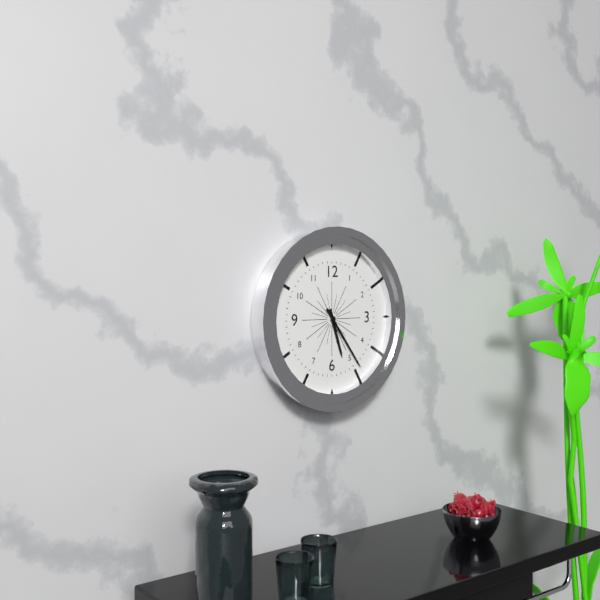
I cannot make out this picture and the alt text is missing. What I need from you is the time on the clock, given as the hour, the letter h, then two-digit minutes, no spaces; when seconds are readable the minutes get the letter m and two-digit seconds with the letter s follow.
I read 5h24
